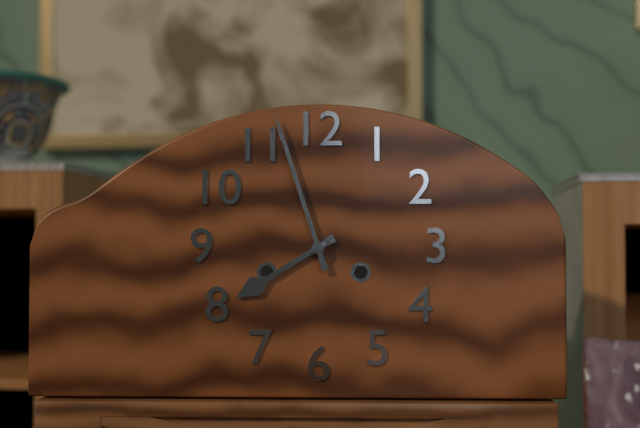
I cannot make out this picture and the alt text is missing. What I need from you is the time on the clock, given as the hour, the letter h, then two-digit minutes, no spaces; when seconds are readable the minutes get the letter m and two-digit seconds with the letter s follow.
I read 7h57
